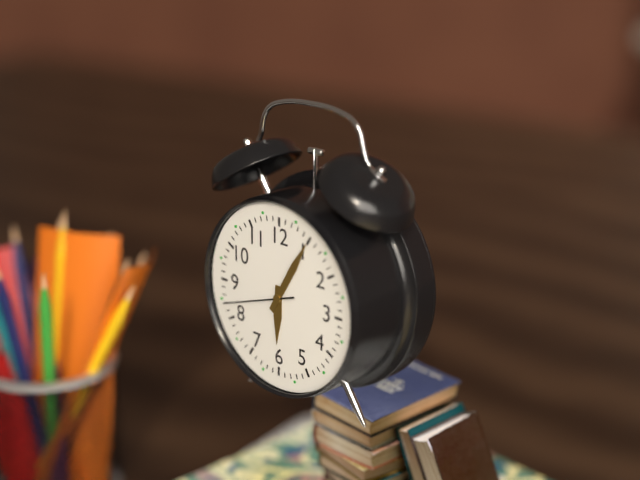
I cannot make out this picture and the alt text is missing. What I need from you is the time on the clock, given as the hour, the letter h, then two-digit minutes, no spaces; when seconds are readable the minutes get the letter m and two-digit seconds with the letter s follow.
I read 6h05m42s
